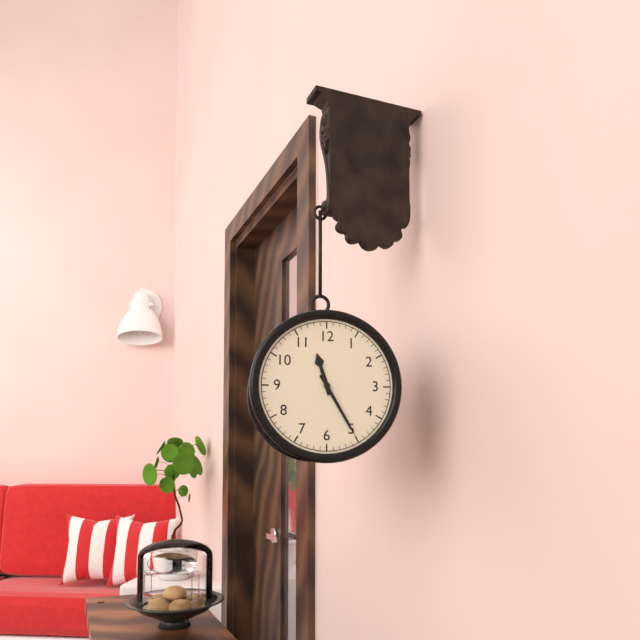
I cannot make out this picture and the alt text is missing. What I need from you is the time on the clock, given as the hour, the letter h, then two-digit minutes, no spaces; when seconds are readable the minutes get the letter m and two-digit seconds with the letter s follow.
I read 11h25
